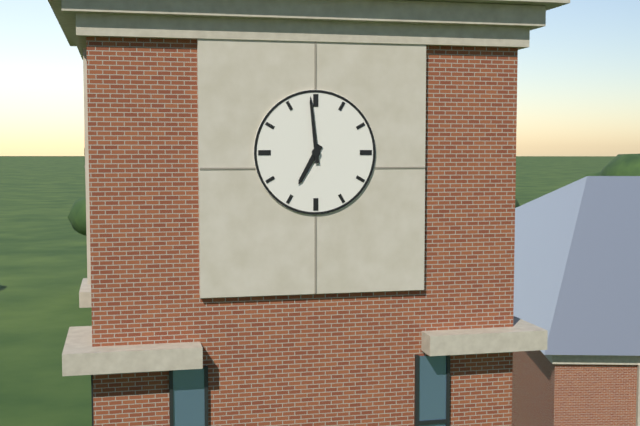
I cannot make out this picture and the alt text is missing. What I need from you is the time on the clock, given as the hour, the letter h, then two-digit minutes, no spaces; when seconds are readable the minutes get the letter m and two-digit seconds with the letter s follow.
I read 6h59
